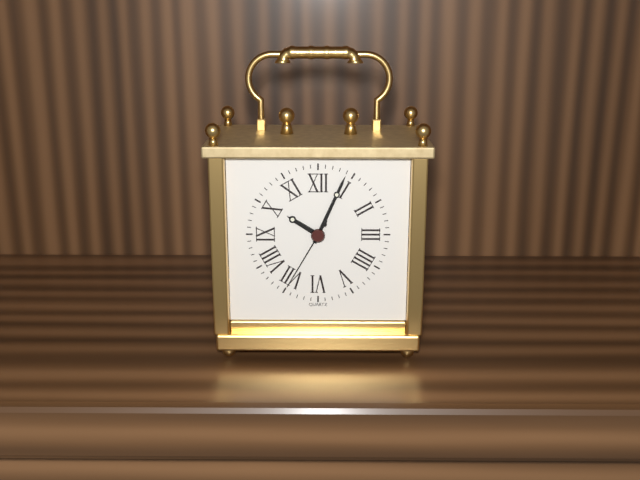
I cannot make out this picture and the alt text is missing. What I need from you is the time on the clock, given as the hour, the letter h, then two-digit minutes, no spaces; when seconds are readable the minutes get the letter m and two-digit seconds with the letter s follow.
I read 10h04m35s
